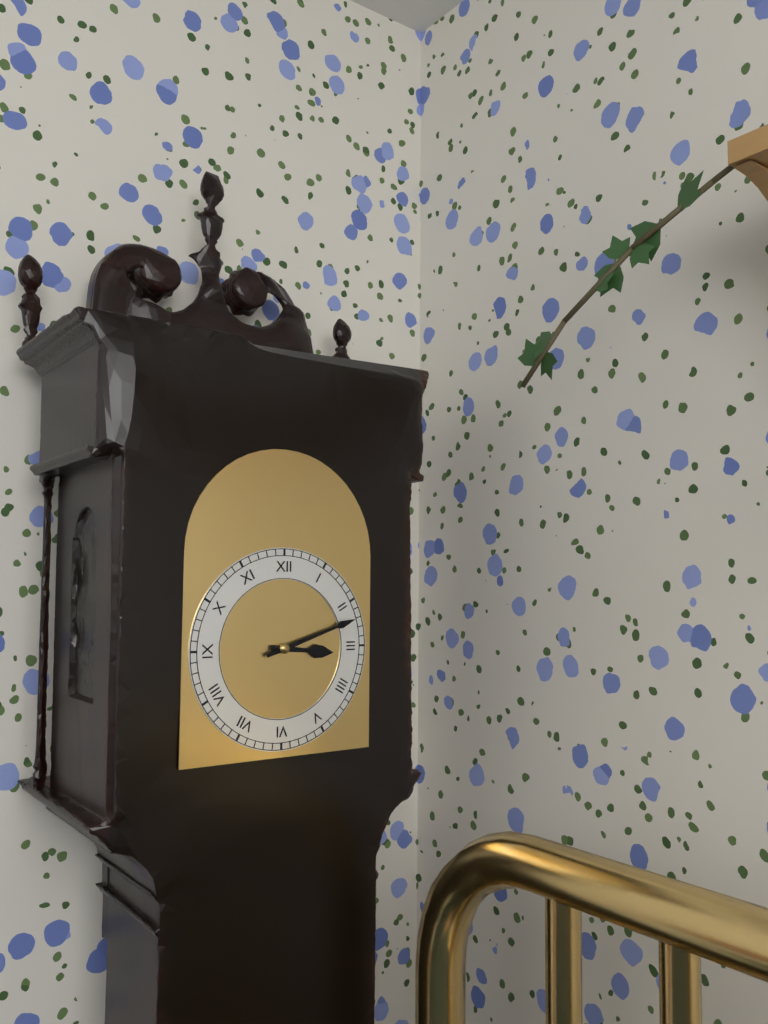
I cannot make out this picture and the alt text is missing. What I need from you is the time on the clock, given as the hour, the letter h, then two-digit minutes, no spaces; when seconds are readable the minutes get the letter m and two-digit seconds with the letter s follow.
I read 3h12
